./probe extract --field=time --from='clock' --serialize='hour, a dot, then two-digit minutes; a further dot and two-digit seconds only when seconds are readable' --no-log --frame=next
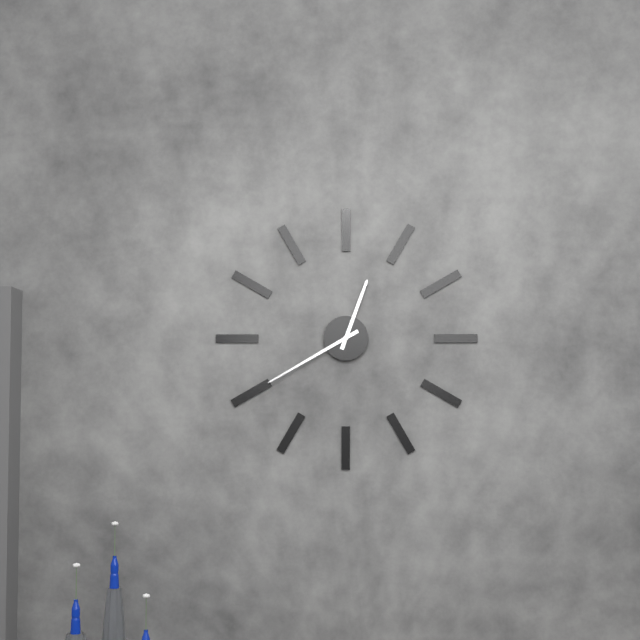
12.40
